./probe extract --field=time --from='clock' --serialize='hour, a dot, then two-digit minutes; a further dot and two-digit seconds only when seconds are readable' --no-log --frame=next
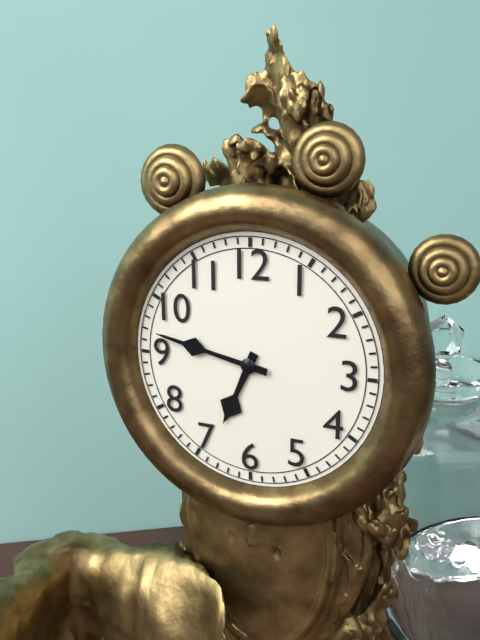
6.47
